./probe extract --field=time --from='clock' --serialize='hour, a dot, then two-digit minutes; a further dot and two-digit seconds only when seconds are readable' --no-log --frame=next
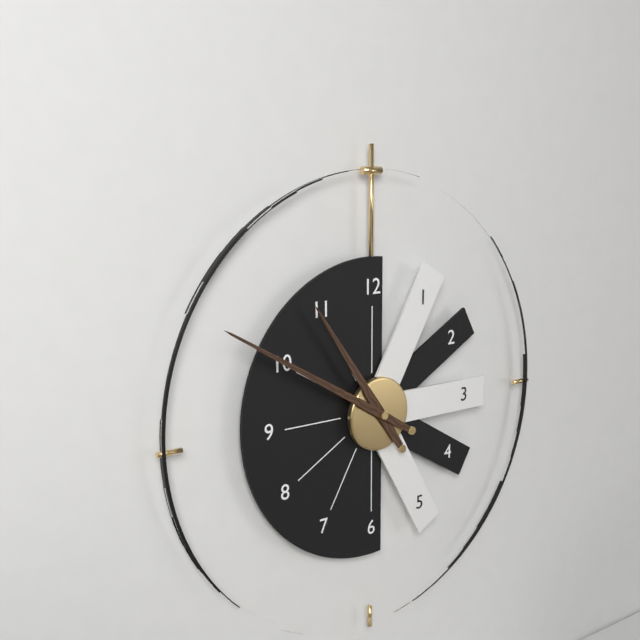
10.50
